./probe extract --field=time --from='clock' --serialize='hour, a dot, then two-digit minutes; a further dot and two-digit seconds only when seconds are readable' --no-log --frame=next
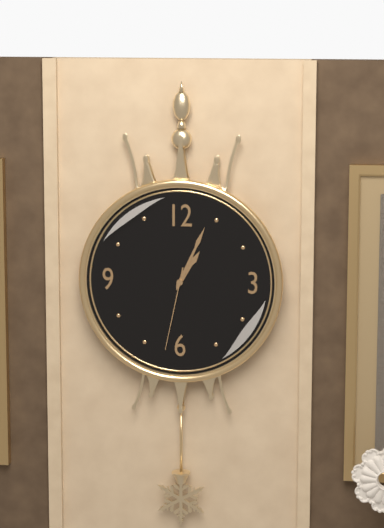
1.04.32
